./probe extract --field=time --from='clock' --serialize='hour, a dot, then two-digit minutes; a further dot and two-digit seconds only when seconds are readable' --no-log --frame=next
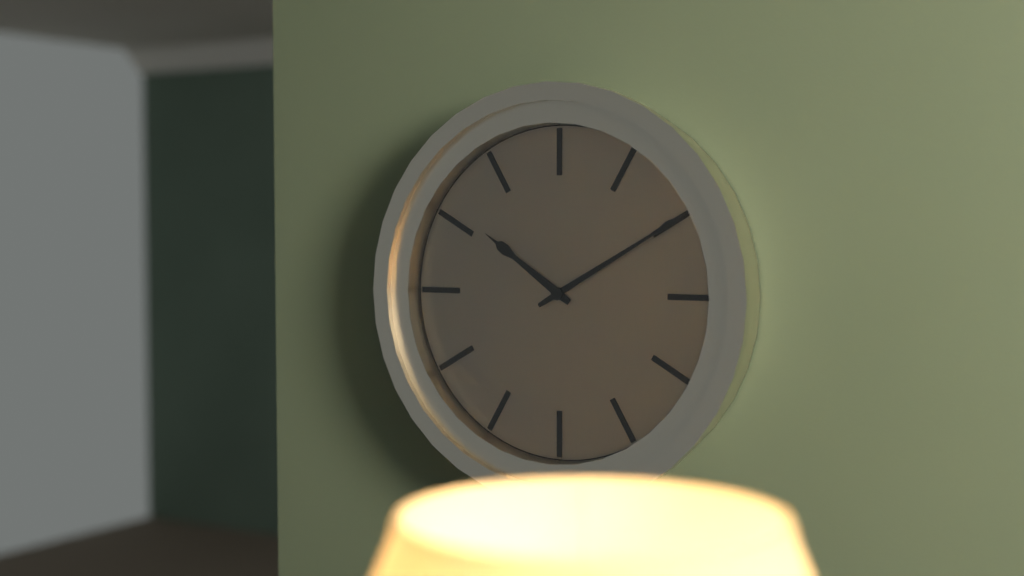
10.10
